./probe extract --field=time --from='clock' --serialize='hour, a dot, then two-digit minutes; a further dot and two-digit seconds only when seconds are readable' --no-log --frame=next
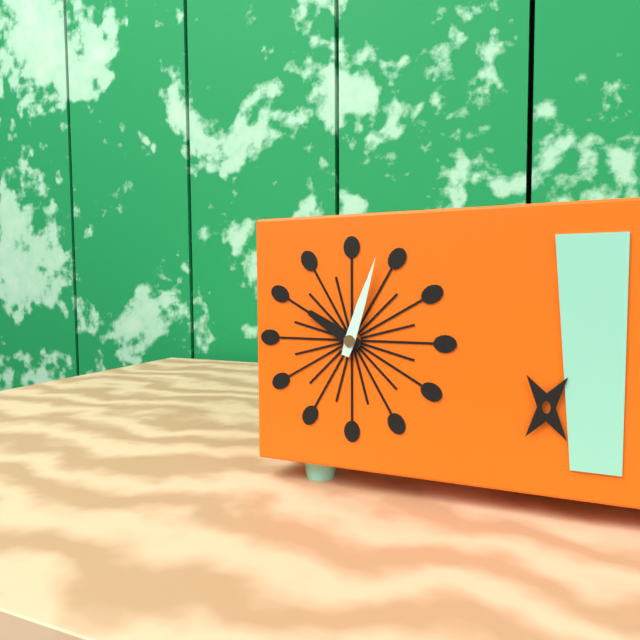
10.03
